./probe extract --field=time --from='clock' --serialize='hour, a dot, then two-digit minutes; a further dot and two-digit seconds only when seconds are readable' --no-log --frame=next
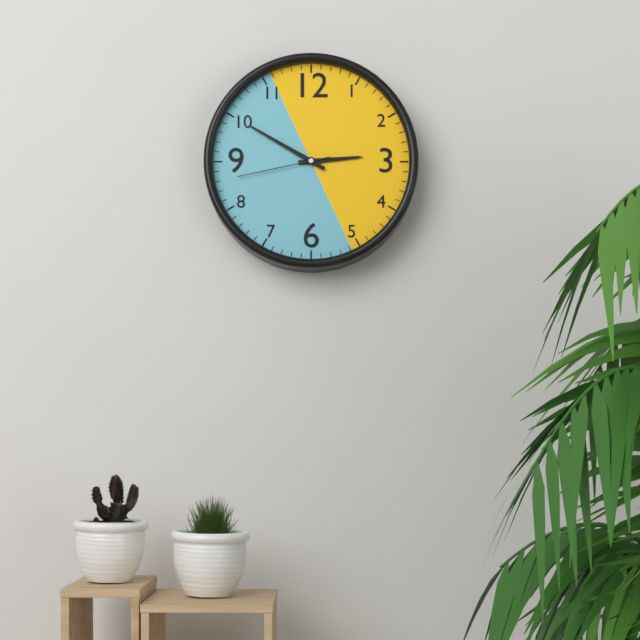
2.50.43
